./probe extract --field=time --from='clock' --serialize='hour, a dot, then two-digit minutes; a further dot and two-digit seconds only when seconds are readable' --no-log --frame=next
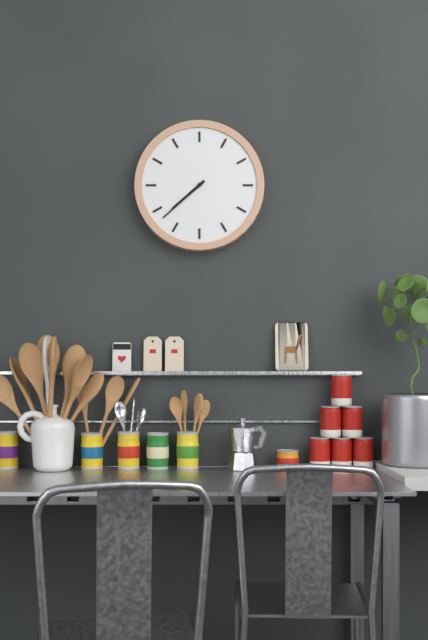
7.38
